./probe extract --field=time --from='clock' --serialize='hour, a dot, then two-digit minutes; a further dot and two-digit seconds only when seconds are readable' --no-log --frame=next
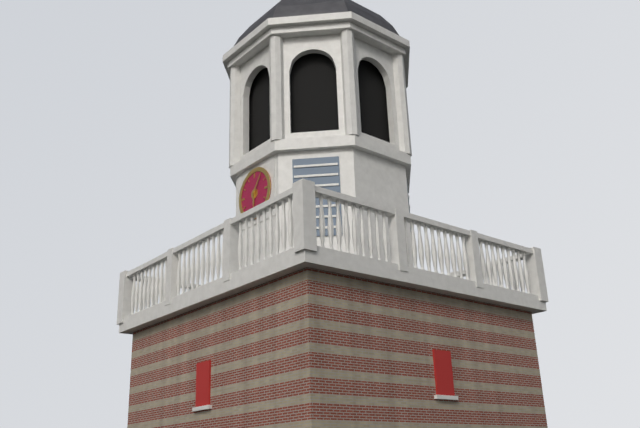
6.06
